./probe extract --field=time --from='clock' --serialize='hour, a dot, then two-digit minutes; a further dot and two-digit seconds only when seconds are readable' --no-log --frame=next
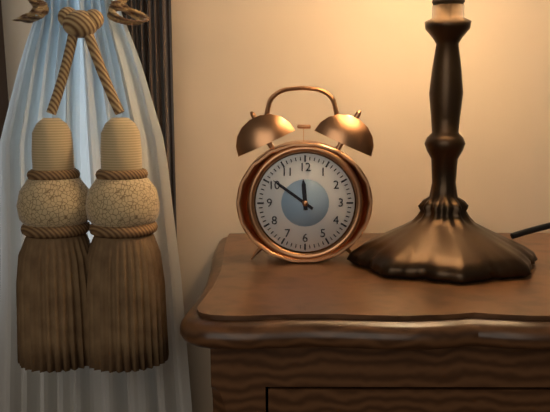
11.51
